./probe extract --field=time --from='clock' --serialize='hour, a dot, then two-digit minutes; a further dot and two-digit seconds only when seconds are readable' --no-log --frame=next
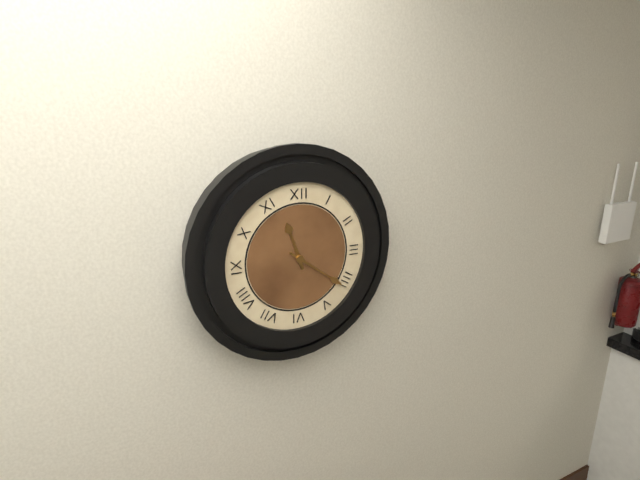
11.21
